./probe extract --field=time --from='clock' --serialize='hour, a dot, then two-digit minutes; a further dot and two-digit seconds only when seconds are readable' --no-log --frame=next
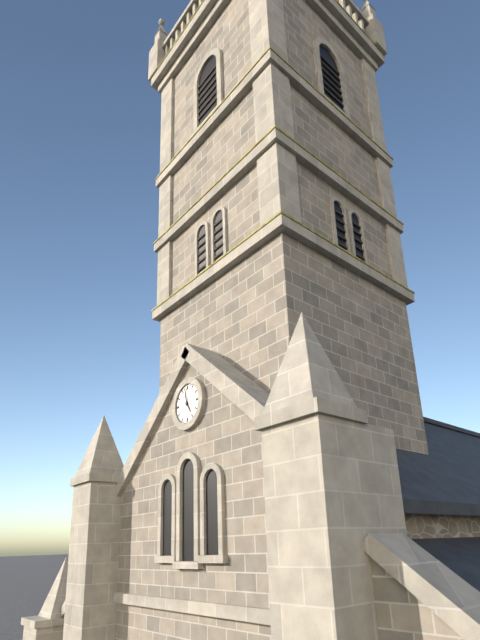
4.58
